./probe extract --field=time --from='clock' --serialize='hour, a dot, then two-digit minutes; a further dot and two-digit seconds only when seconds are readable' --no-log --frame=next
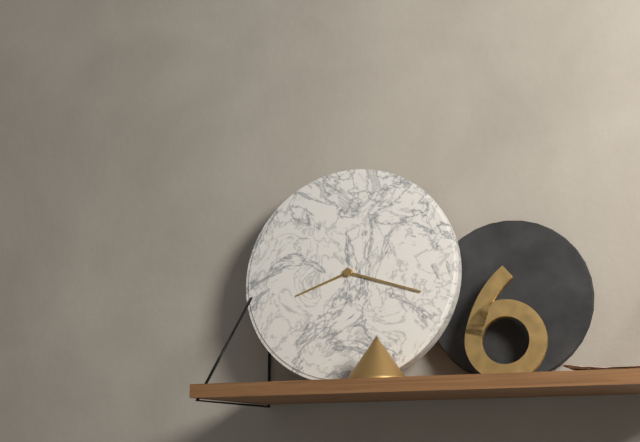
8.18
